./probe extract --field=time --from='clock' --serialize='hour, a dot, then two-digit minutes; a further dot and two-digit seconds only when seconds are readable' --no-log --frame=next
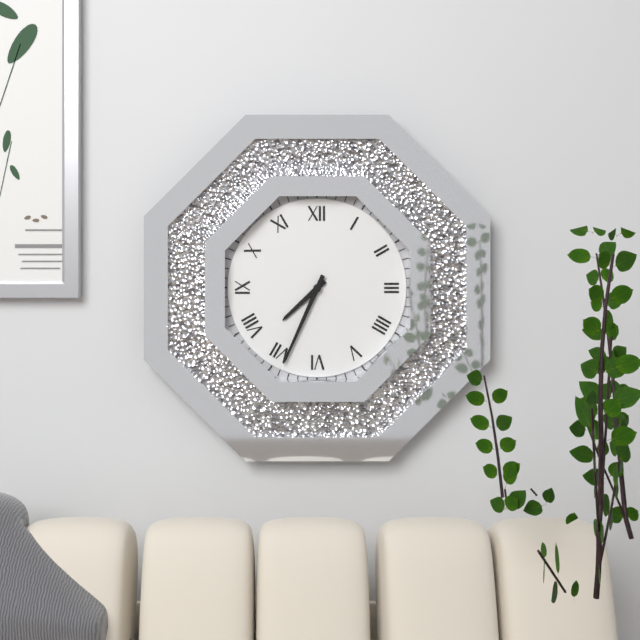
7.34
